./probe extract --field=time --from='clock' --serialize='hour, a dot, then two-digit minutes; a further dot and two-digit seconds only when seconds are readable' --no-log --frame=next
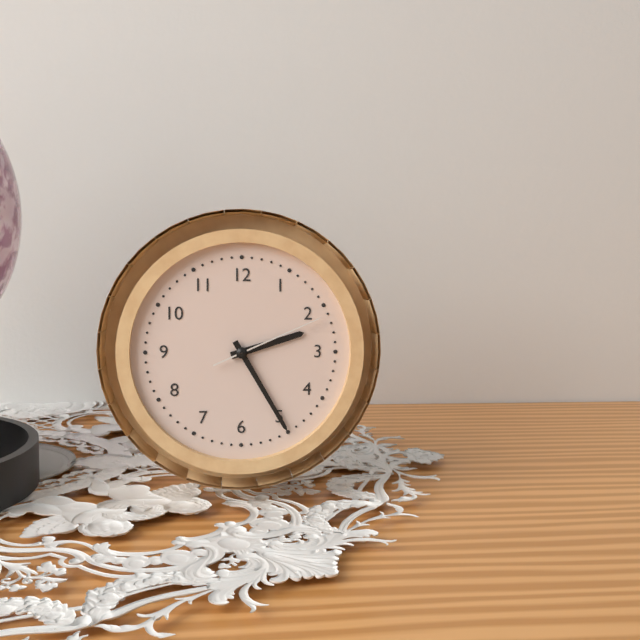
2.25.11
